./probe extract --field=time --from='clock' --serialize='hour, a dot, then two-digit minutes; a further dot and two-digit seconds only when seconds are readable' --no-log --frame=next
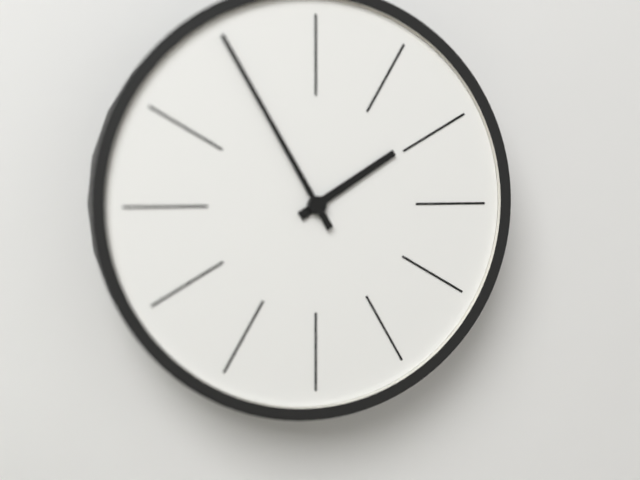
1.55
